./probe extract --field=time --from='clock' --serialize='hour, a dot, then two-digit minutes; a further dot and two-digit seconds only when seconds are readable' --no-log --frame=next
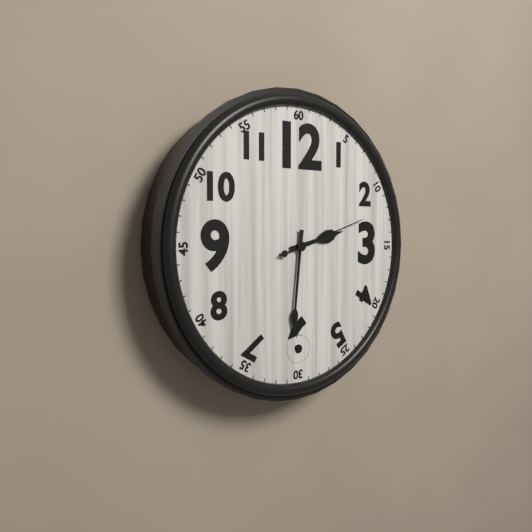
2.31.12
